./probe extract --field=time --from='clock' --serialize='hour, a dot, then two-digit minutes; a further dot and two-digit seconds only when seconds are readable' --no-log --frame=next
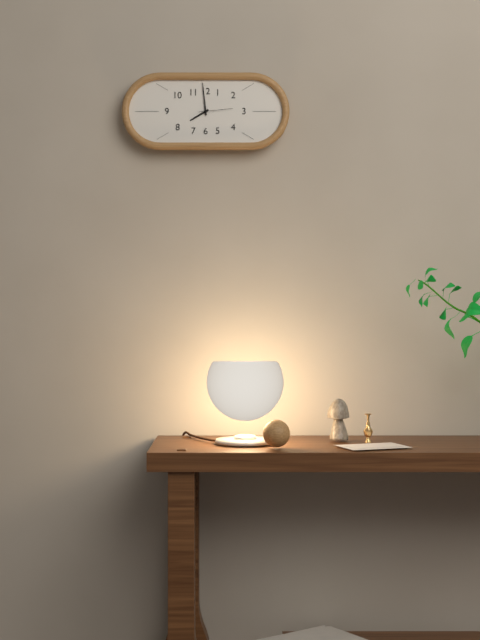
7.59
